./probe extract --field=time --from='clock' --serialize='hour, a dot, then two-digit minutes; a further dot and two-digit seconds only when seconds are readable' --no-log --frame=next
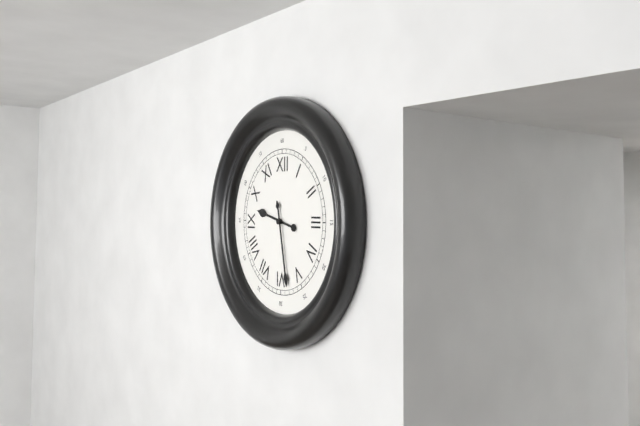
9.28
